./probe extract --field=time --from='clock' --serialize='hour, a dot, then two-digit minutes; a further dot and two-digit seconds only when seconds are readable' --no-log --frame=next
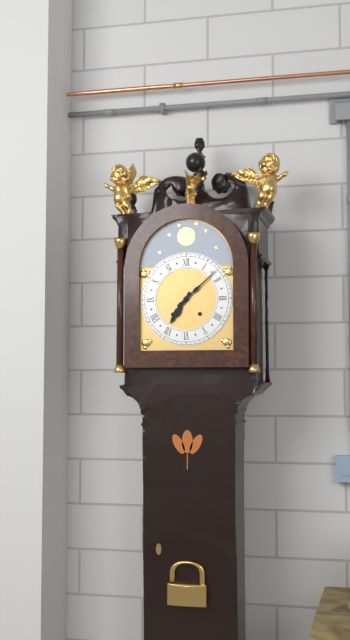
7.08
